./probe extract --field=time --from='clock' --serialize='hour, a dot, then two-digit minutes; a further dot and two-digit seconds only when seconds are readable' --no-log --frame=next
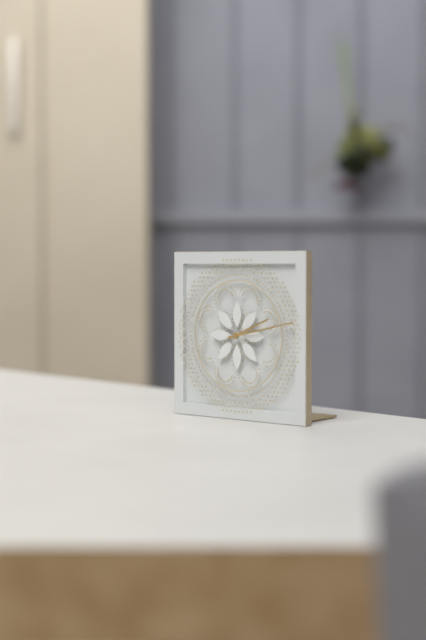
2.13
